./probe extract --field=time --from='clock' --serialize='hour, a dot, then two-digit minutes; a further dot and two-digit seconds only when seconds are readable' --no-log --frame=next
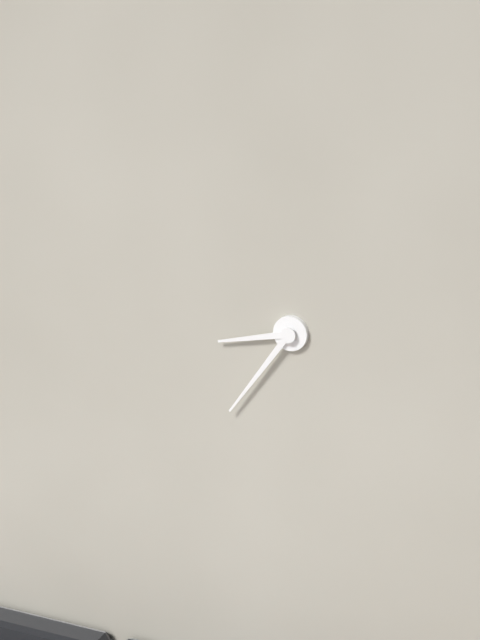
8.36
